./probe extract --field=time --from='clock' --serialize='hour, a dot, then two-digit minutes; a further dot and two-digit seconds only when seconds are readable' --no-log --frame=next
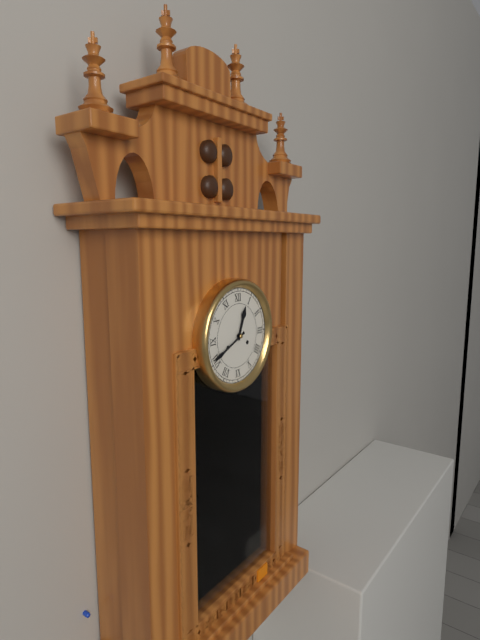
12.41
